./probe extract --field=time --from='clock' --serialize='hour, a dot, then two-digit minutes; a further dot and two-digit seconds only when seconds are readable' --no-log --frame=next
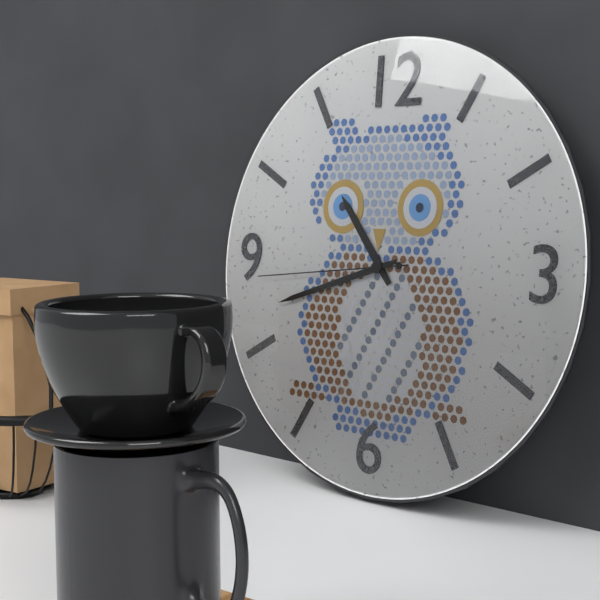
10.42.44
